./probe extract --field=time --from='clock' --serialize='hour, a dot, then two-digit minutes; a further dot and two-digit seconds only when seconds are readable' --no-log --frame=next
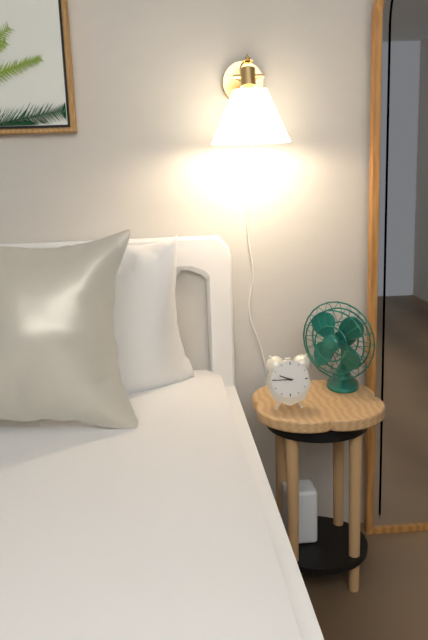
9.45
